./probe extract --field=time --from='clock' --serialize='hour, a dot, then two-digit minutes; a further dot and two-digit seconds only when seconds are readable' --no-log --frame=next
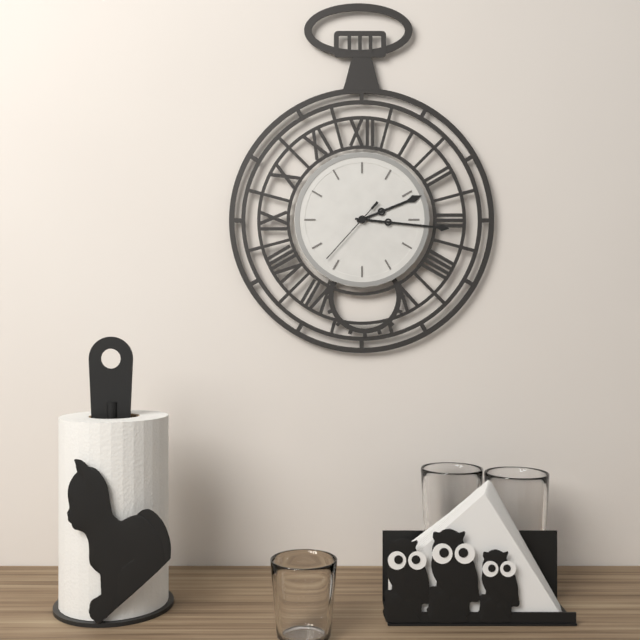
2.16.37
